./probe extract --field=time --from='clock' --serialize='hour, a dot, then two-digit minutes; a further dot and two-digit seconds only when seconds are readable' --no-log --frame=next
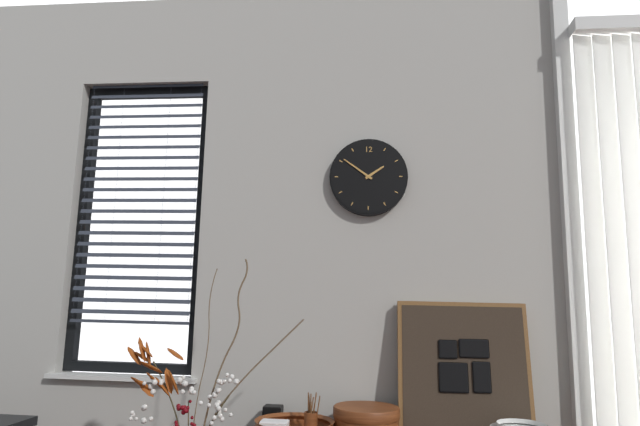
1.51
